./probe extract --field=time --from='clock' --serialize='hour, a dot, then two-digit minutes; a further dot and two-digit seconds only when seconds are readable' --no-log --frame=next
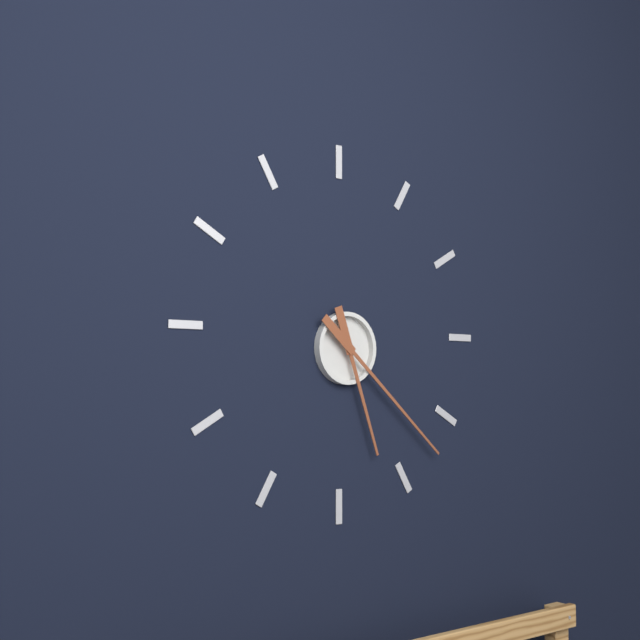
5.22
